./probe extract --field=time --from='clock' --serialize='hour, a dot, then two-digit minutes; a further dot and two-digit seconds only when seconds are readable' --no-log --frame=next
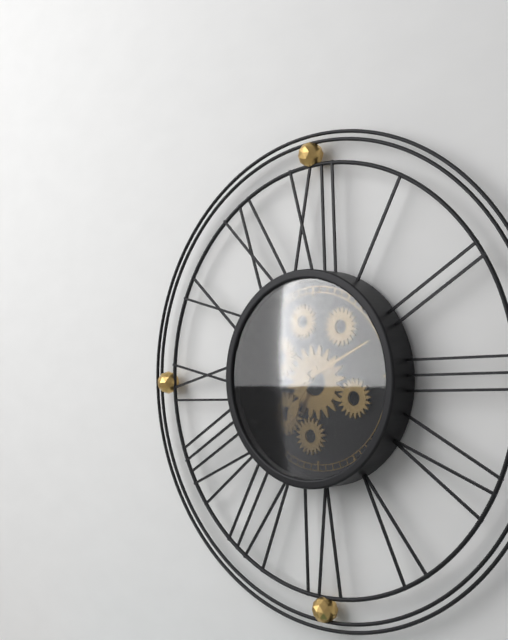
7.11
